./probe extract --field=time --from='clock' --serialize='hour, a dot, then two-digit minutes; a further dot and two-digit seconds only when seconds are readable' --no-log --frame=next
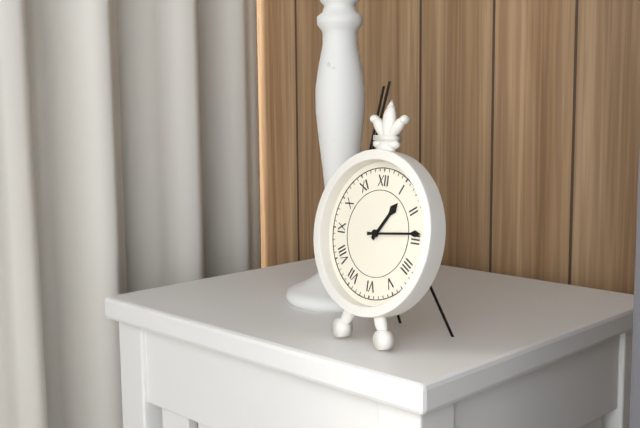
1.14
